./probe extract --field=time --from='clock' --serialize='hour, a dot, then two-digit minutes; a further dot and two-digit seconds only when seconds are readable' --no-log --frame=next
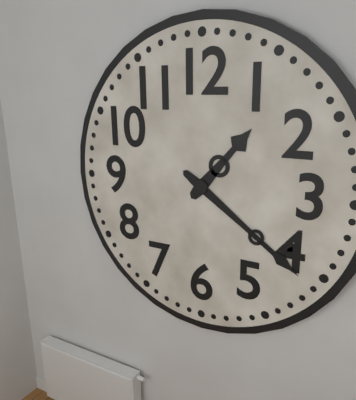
1.21
